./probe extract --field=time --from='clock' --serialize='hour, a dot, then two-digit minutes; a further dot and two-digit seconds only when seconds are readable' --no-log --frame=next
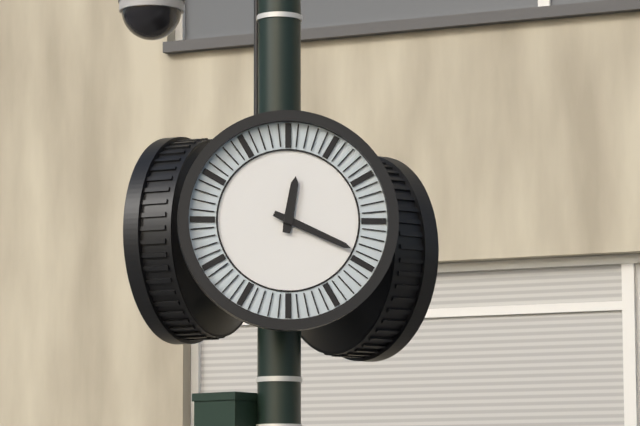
12.19
